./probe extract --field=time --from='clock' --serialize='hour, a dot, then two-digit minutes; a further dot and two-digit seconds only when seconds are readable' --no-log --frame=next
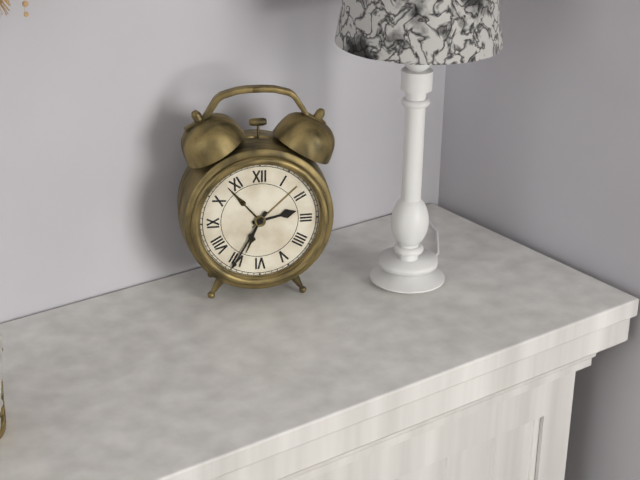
2.35
